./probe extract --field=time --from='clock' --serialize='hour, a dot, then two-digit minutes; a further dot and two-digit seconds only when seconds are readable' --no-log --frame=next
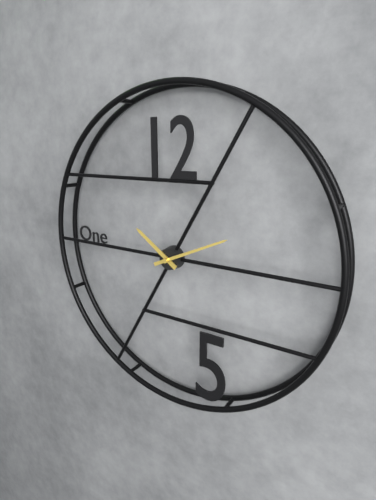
10.11
